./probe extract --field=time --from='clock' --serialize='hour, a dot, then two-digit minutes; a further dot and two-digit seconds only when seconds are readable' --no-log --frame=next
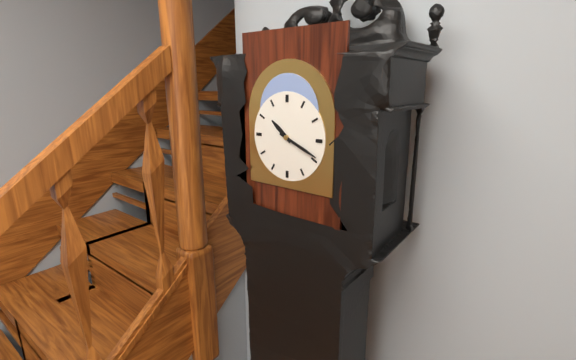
10.19
